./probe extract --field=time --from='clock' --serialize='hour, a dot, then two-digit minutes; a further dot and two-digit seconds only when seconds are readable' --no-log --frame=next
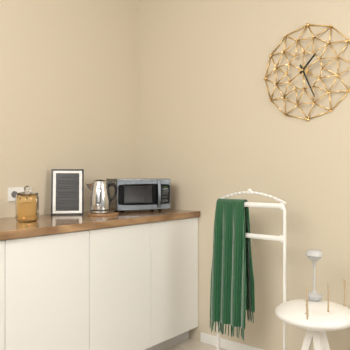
1.26
